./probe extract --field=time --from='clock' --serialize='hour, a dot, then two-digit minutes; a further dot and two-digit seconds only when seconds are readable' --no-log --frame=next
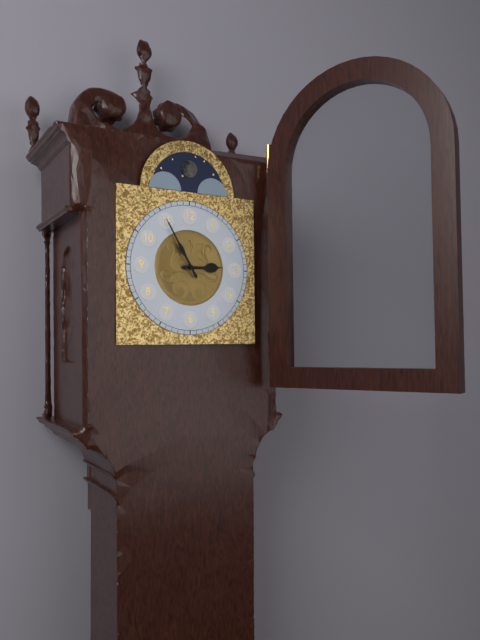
2.55
